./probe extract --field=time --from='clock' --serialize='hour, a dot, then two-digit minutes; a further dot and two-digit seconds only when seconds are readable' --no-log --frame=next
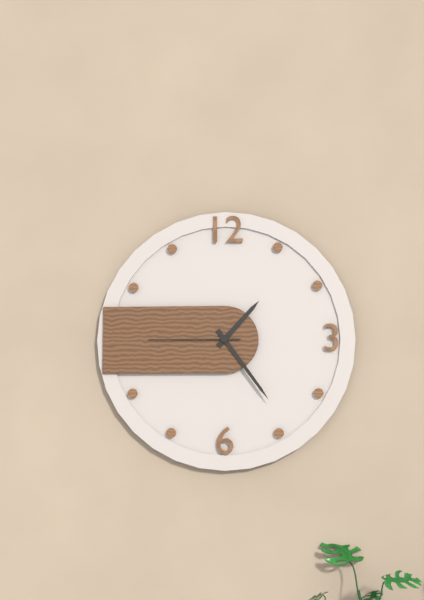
1.24.45
